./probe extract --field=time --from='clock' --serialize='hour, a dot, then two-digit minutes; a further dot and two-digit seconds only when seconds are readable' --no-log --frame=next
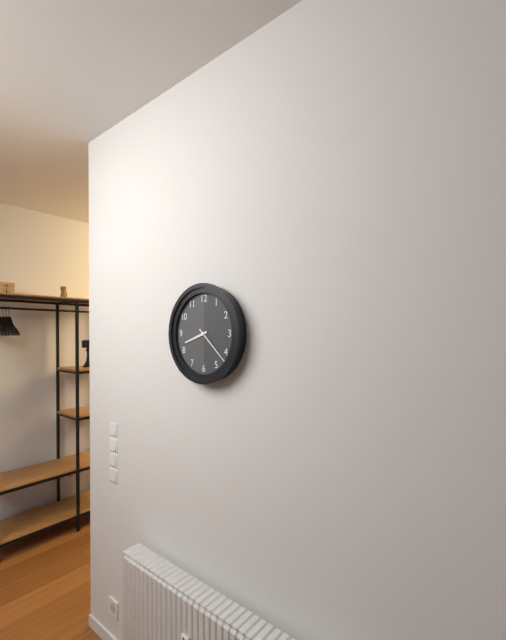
8.22
